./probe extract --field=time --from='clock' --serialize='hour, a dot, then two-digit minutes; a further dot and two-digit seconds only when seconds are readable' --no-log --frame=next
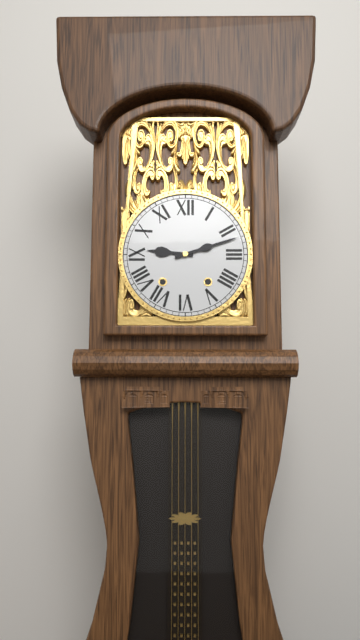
9.12
